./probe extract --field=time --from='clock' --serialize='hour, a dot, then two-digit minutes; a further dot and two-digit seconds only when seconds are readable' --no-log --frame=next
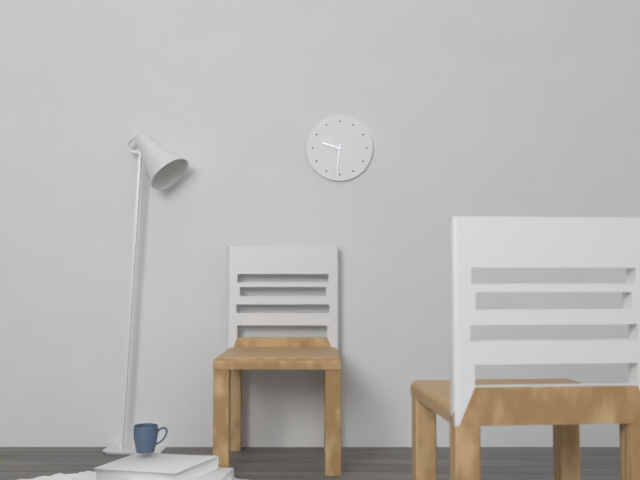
9.31
